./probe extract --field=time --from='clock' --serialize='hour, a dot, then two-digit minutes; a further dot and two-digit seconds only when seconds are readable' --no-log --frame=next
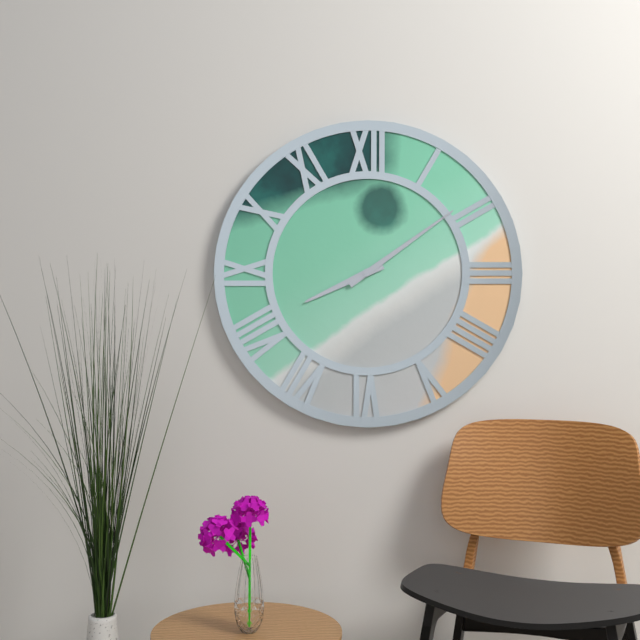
8.09
